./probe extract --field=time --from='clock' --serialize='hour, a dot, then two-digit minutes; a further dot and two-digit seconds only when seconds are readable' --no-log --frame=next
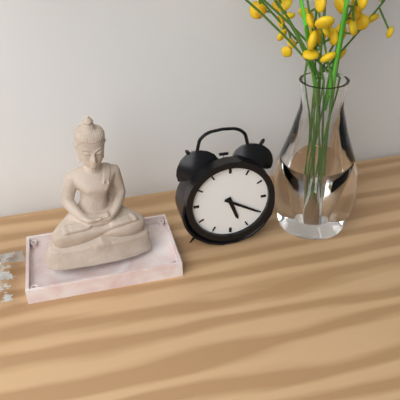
5.20
